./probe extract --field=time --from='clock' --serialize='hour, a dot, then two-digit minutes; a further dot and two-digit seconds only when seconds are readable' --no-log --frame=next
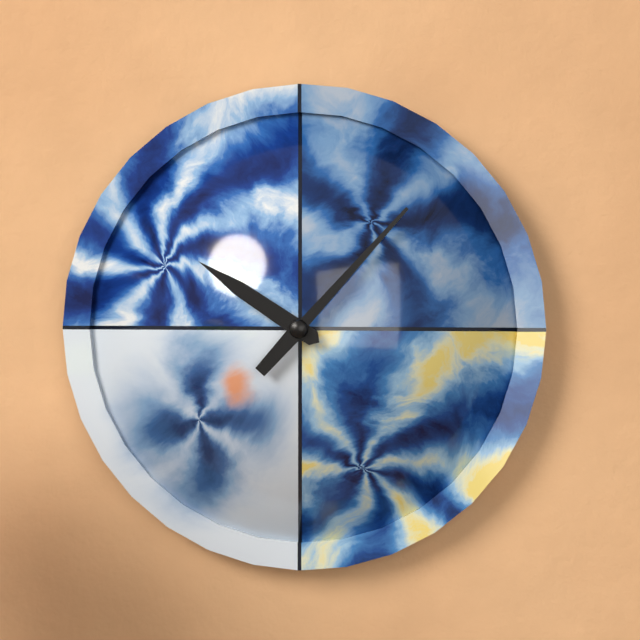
10.07
